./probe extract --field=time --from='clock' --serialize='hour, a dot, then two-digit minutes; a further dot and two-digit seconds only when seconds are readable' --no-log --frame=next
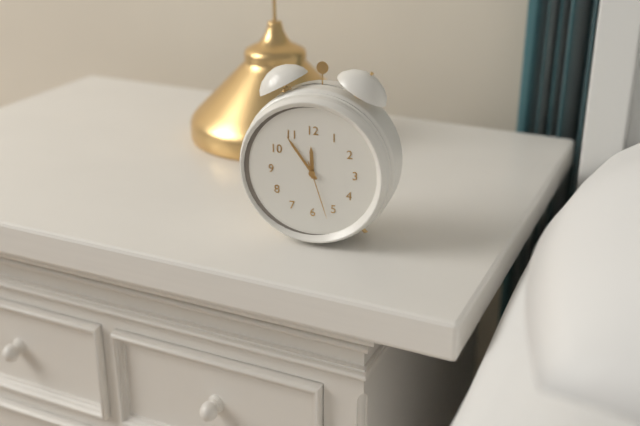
11.54.27
